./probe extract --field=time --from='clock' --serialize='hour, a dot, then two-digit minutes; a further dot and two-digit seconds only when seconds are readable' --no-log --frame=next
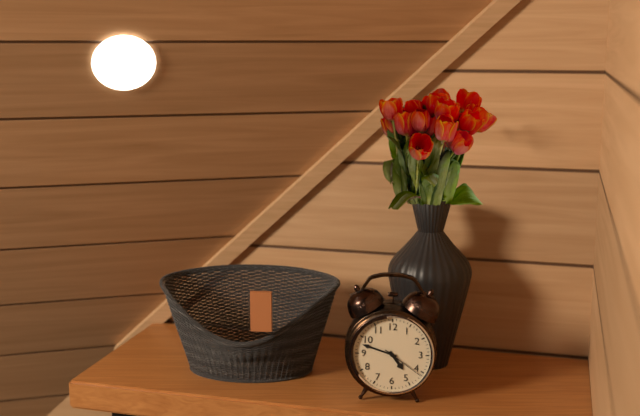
4.48
